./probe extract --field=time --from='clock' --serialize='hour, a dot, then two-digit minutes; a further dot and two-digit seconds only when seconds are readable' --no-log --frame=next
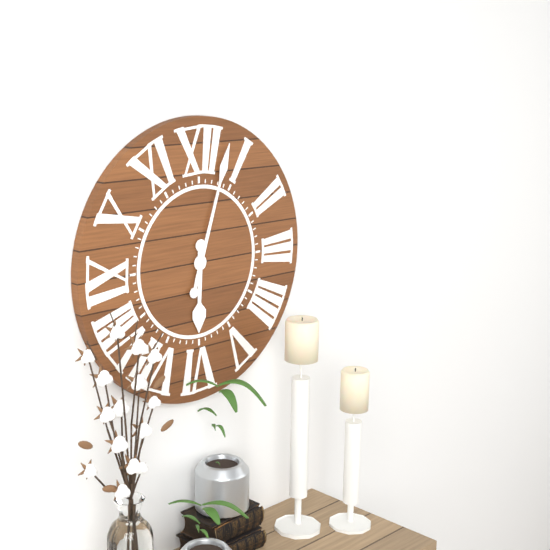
6.03
